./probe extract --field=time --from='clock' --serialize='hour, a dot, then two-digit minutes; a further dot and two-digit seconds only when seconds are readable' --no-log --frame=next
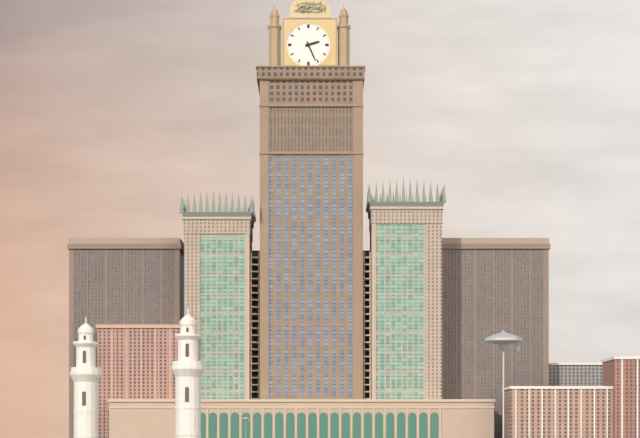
2.26
